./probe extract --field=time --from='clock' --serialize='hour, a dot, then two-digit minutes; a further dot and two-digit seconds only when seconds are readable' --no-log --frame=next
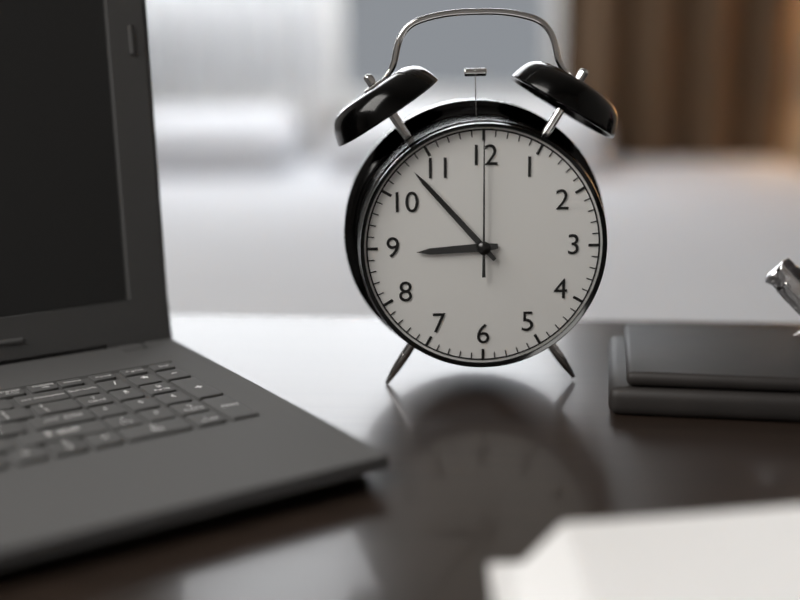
8.53.00
